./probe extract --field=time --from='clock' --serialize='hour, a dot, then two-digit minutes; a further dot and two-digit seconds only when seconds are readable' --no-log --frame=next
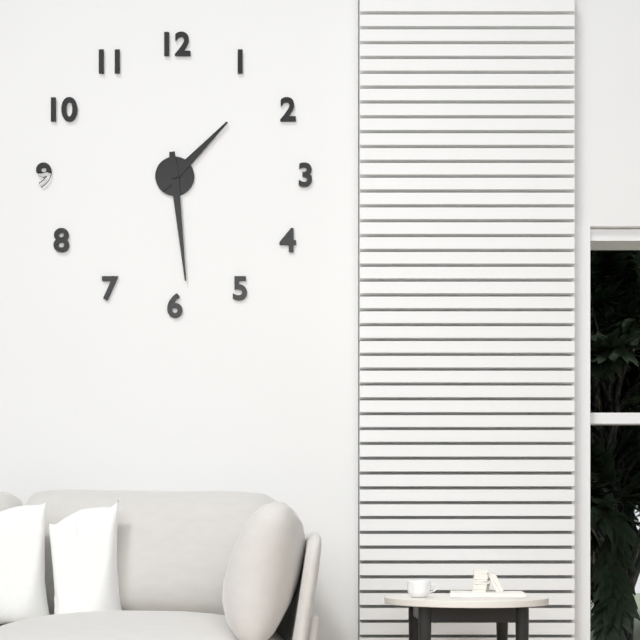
1.29
